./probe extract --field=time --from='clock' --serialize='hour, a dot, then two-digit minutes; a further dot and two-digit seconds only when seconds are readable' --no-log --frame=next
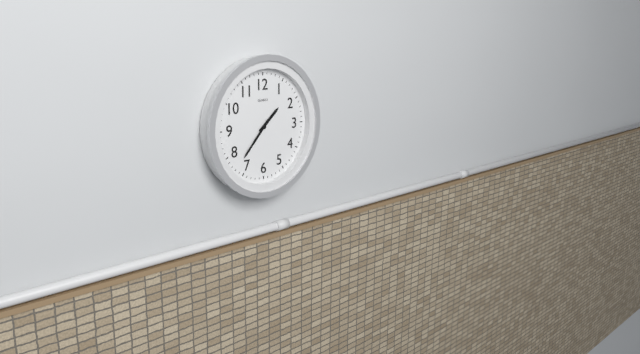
1.37
